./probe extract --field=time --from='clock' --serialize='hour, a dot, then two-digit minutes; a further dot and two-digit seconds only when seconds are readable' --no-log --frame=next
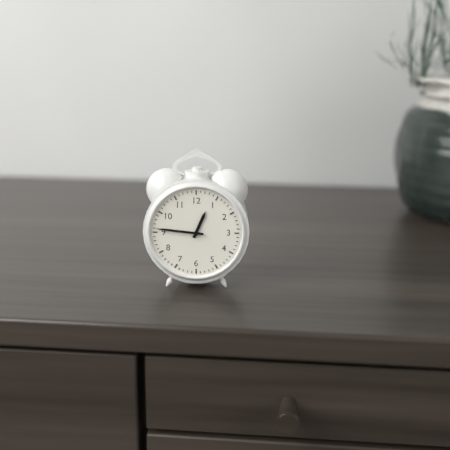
12.46
